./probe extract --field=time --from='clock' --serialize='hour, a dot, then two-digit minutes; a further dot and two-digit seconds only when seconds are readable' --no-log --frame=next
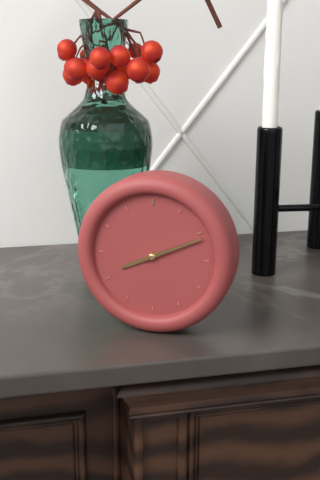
8.11
